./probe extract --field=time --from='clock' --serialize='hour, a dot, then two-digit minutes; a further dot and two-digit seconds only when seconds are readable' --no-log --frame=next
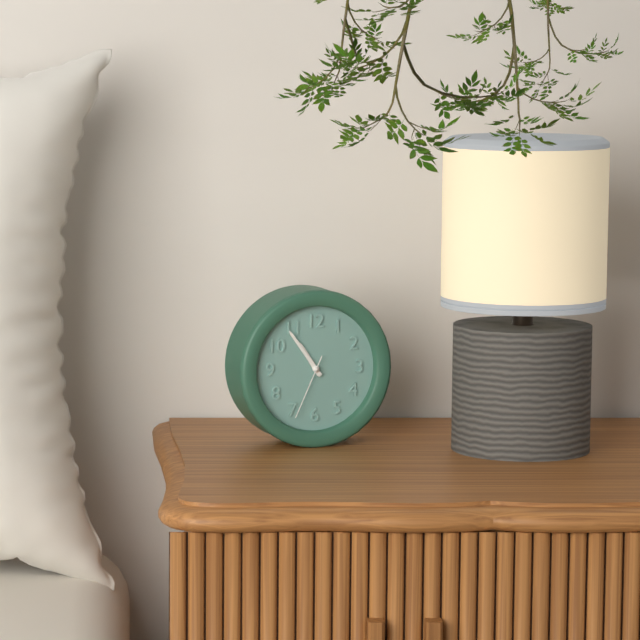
10.54.34
